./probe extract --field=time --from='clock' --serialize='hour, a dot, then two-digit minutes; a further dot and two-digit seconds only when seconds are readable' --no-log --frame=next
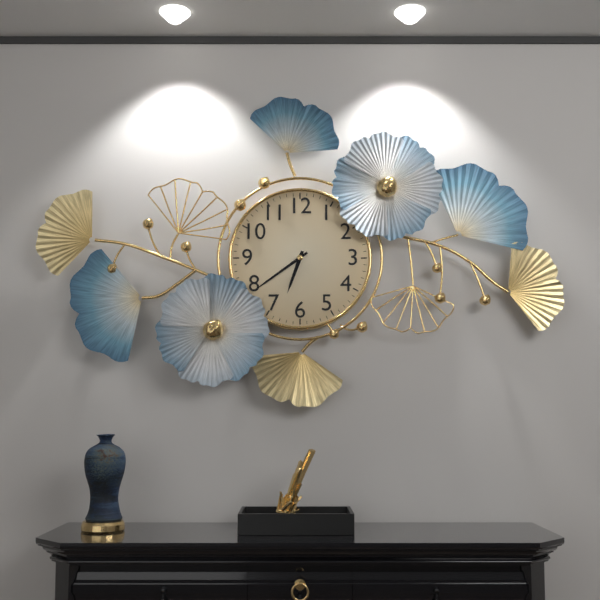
6.39
